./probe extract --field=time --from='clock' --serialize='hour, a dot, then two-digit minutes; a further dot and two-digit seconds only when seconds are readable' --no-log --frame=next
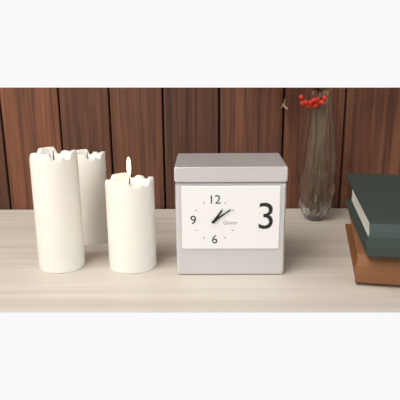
1.09
